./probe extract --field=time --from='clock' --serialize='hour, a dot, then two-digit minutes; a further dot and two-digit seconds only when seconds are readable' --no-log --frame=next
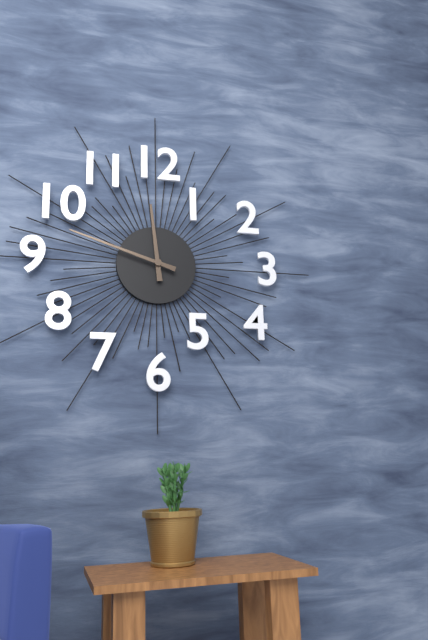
11.48
